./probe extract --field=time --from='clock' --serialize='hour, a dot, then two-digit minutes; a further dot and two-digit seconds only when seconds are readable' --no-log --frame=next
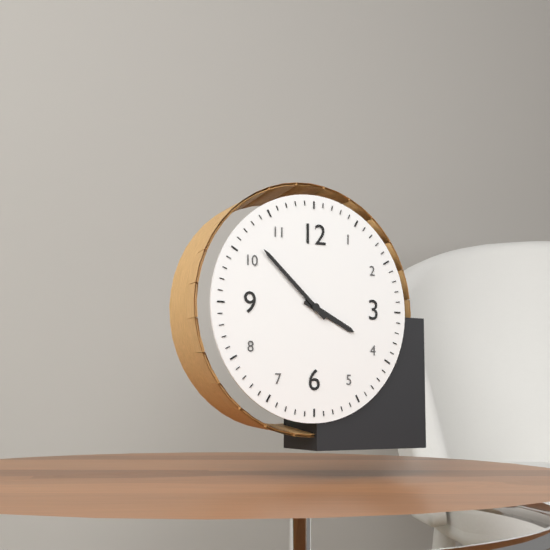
3.52
